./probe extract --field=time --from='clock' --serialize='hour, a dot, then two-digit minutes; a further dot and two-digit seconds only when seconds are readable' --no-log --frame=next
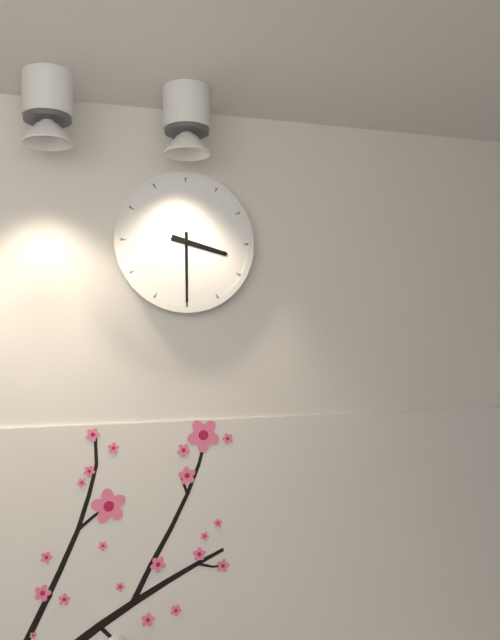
3.30
